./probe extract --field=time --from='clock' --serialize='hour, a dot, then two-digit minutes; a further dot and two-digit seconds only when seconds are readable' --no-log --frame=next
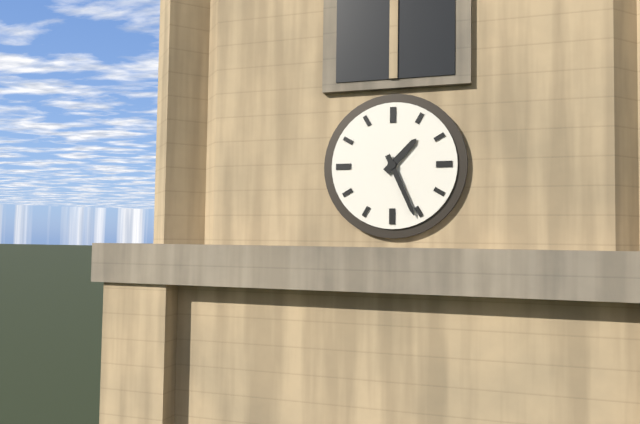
1.26
